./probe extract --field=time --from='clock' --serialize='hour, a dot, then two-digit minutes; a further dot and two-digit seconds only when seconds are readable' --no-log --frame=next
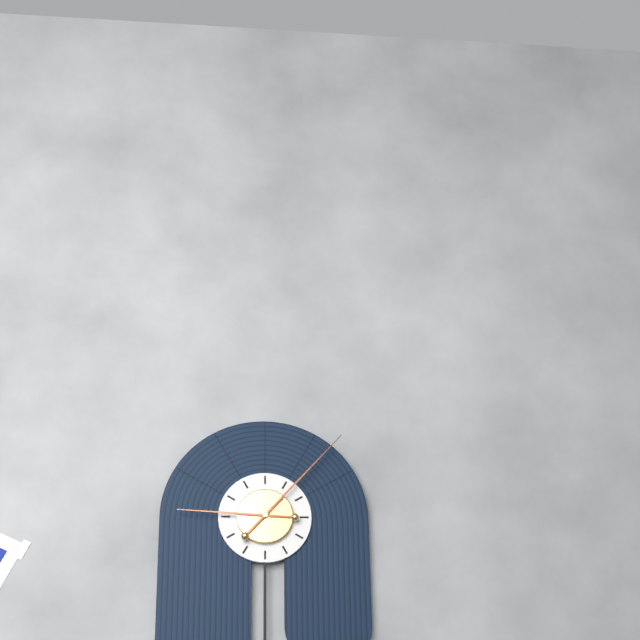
9.07
